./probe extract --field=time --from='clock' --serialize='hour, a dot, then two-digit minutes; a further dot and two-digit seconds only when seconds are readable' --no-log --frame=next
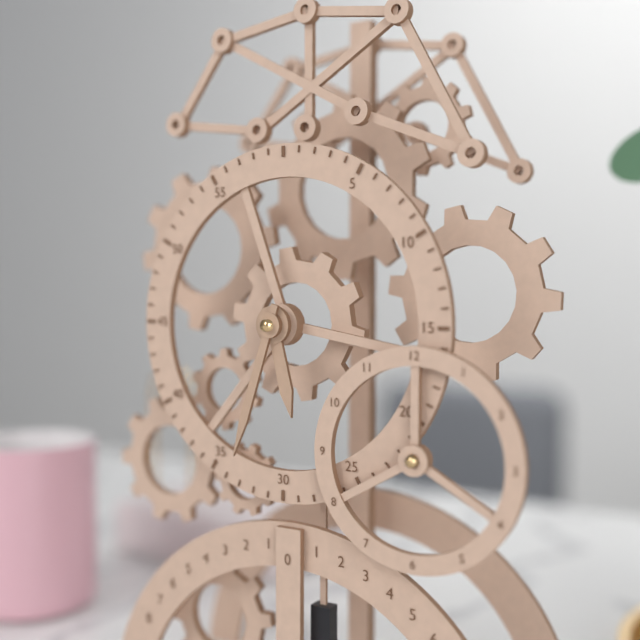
5.33
